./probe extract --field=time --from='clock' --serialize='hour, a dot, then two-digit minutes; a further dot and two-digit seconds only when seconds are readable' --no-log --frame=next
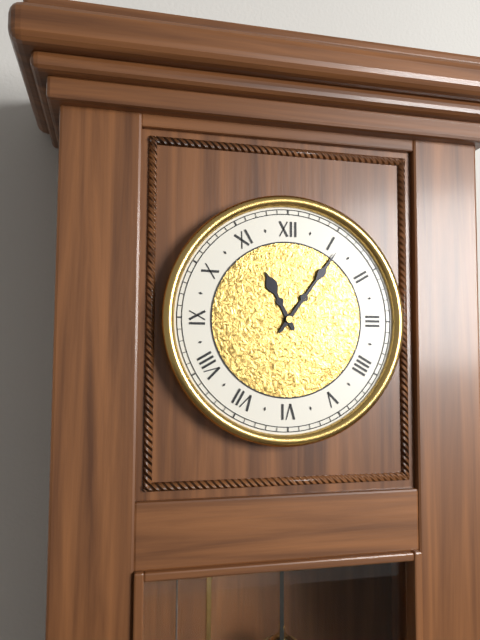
11.06
